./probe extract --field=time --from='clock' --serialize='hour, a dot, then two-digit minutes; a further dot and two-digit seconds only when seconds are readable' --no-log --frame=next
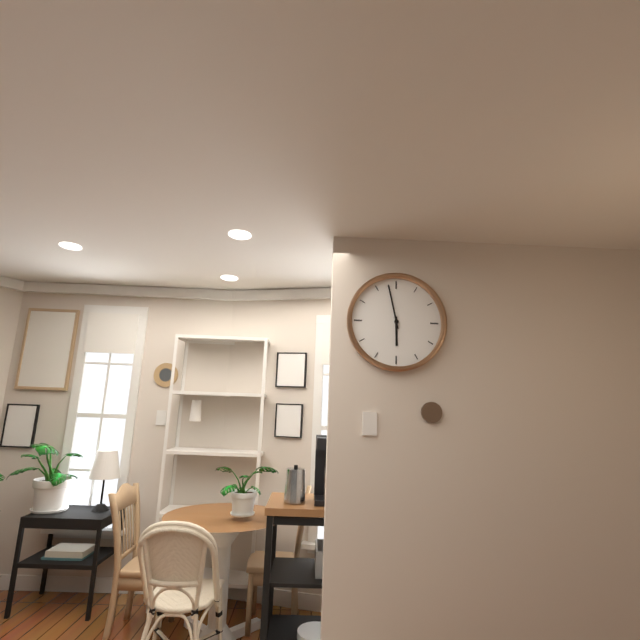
5.58
